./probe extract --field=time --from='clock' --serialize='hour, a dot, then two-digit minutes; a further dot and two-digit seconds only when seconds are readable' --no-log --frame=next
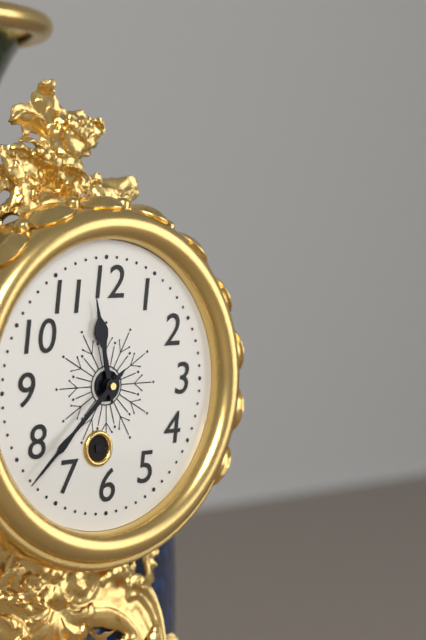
11.38
